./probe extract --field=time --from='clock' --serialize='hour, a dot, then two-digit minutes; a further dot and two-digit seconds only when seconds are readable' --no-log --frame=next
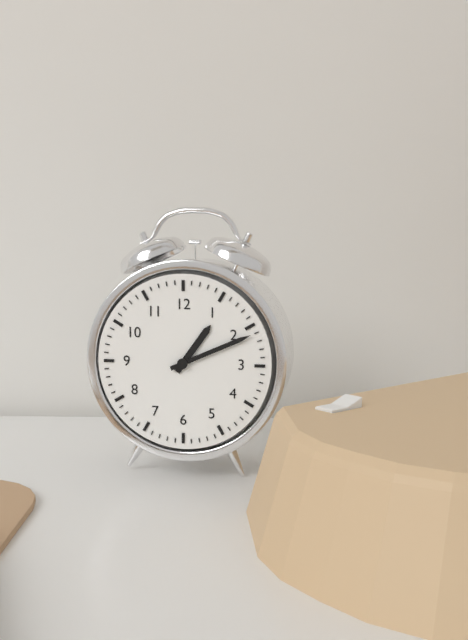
1.11
